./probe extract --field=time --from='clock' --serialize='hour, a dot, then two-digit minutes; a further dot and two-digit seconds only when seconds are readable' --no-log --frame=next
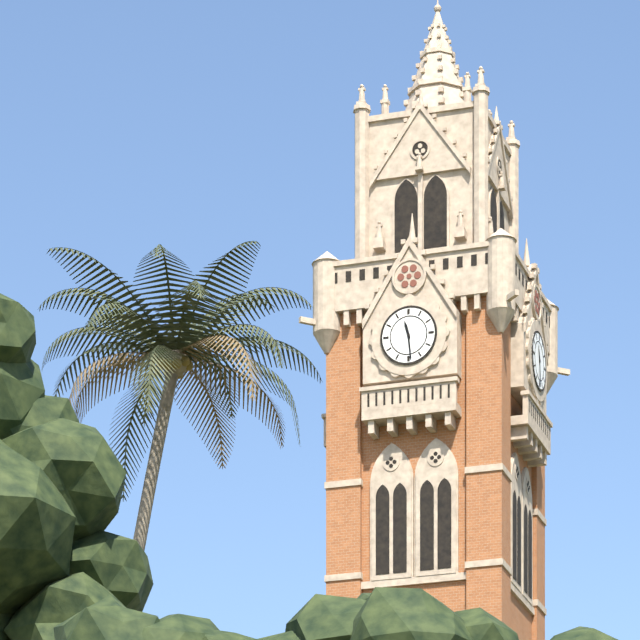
11.29
